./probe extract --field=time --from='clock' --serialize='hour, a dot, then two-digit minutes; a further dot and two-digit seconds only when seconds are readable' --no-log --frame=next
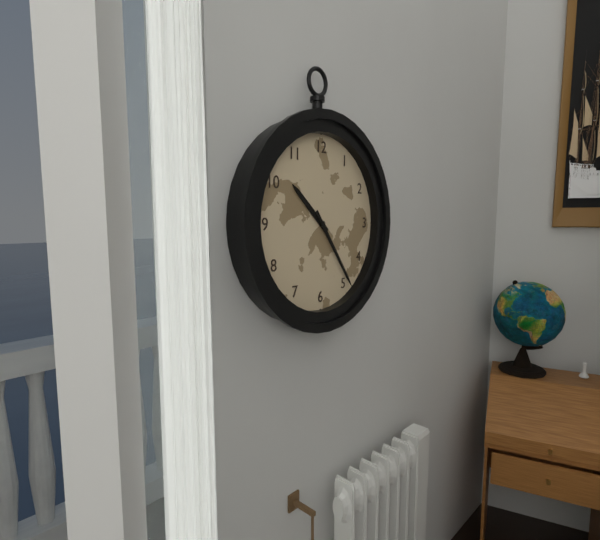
10.24
